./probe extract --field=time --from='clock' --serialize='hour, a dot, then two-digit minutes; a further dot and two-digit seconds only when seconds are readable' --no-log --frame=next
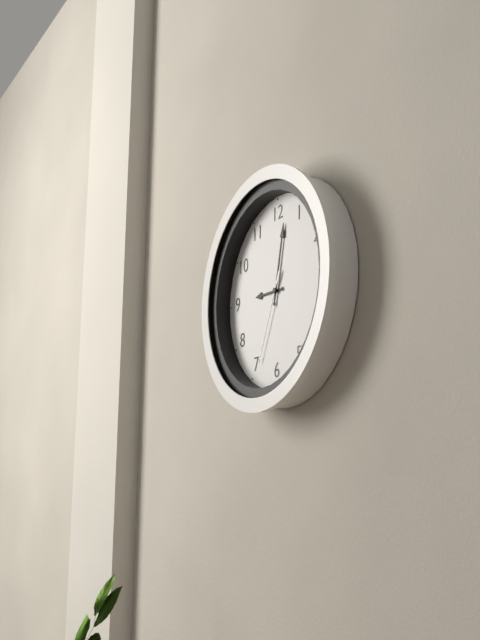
9.02.34
